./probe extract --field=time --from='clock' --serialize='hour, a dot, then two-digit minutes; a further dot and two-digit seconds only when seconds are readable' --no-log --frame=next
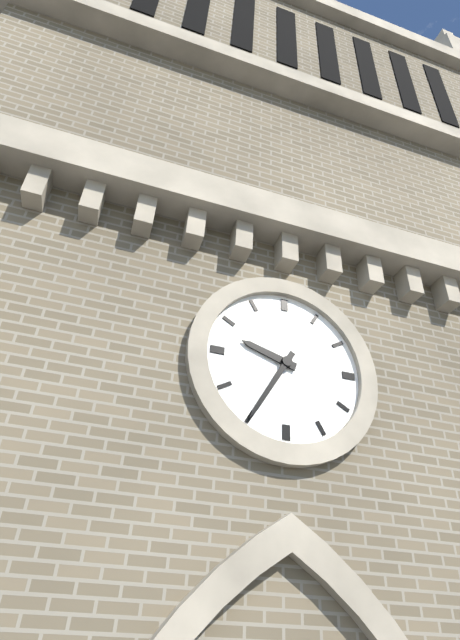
9.35
